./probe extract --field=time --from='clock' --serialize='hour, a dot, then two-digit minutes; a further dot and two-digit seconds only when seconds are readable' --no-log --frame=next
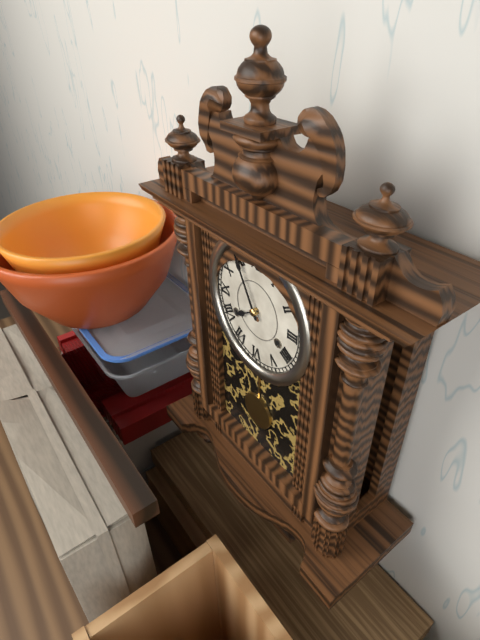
7.55
